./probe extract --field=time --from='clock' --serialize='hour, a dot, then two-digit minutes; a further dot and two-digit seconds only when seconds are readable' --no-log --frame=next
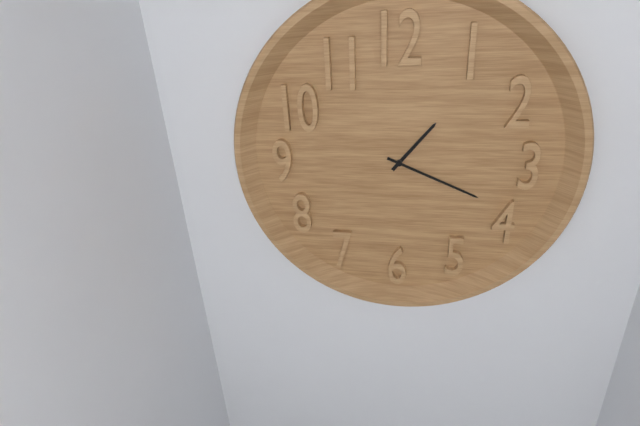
1.19
